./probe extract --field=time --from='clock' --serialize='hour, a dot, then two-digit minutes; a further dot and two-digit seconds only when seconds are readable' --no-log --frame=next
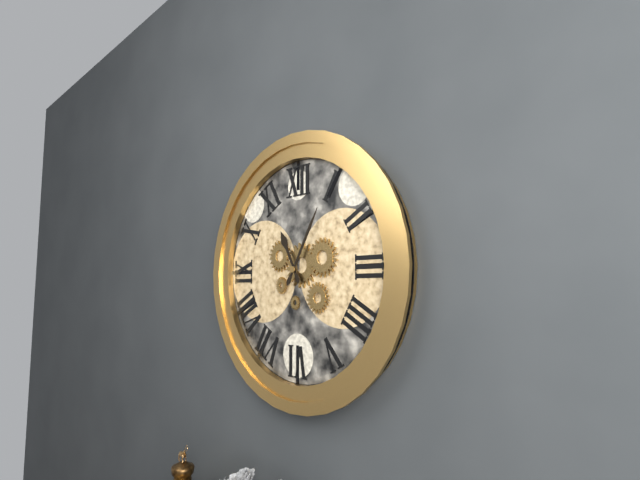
11.05
